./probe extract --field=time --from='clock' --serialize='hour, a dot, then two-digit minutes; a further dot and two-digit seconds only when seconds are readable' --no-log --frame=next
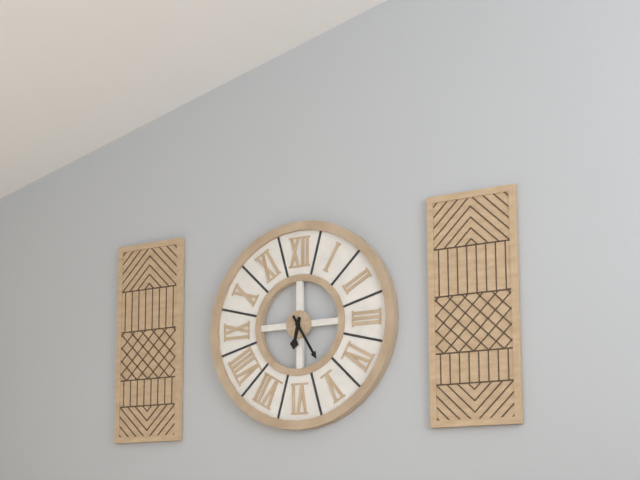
6.25
